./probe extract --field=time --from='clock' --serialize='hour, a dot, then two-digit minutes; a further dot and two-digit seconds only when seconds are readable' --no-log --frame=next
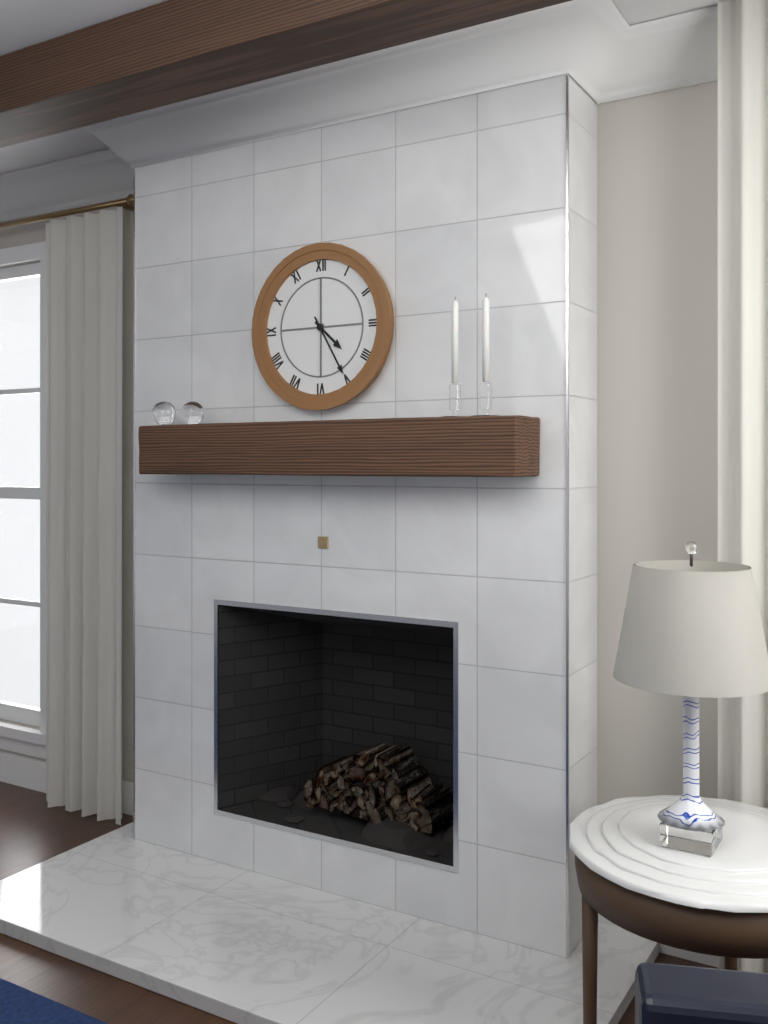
4.25
